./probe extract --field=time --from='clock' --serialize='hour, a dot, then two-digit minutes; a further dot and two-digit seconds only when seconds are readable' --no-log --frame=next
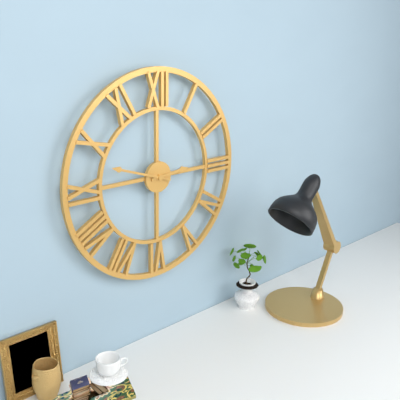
2.48
